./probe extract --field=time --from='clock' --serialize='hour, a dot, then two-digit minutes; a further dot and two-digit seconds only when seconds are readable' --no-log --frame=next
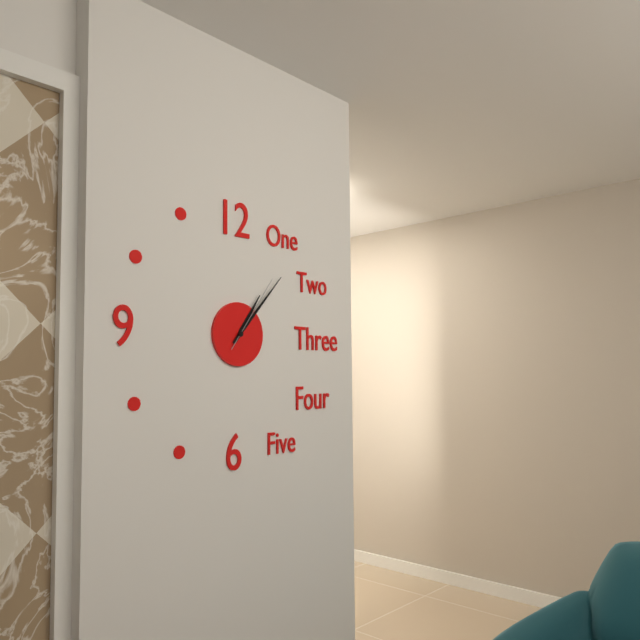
1.07.06
